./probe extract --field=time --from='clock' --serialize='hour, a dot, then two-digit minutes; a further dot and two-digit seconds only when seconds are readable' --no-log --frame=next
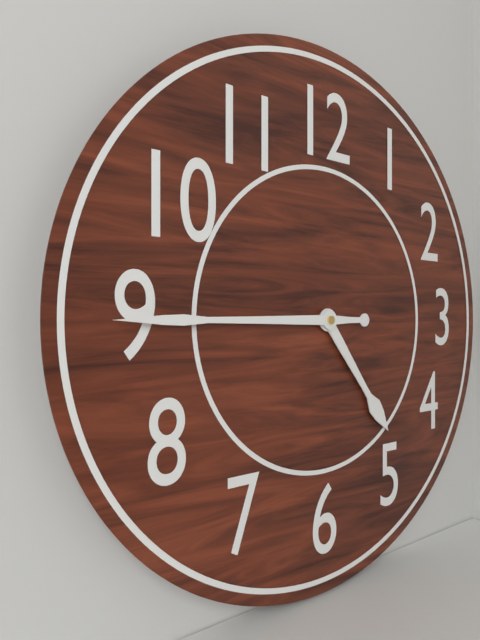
4.45
